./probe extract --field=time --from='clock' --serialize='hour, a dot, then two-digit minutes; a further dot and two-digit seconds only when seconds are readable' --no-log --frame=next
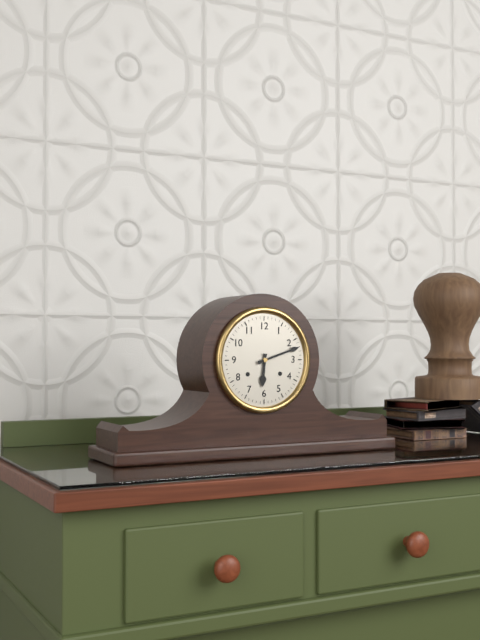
6.12
